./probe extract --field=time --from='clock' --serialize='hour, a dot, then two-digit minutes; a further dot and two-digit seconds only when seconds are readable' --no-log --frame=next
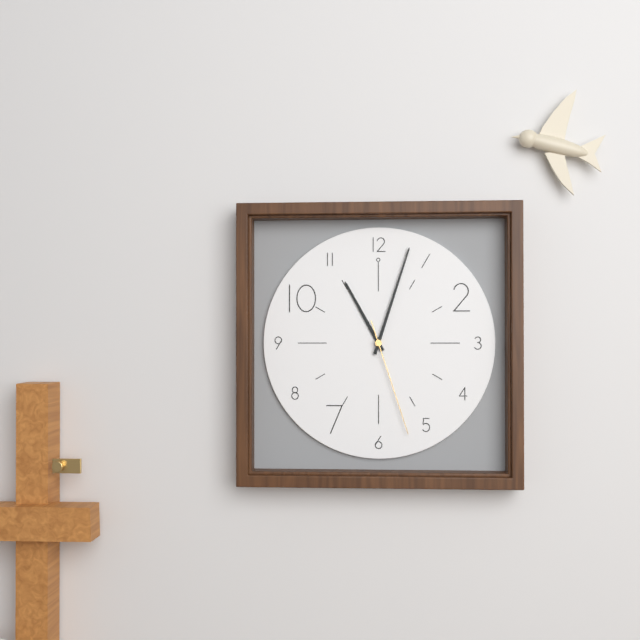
11.03.27
